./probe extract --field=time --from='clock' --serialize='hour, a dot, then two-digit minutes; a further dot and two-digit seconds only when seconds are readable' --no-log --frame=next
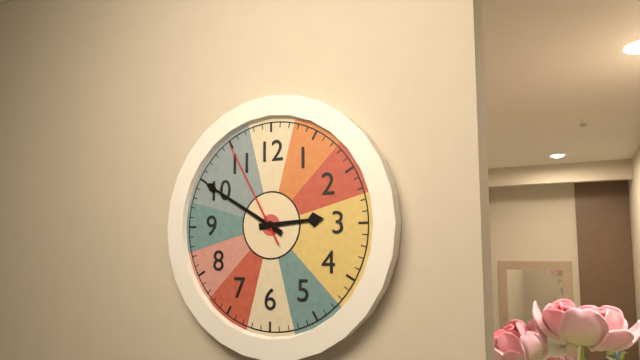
2.50.55
